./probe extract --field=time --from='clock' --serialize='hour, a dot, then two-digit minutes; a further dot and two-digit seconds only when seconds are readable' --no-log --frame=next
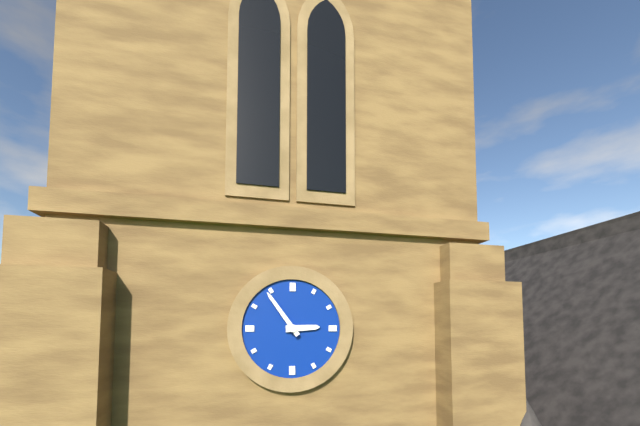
2.54
